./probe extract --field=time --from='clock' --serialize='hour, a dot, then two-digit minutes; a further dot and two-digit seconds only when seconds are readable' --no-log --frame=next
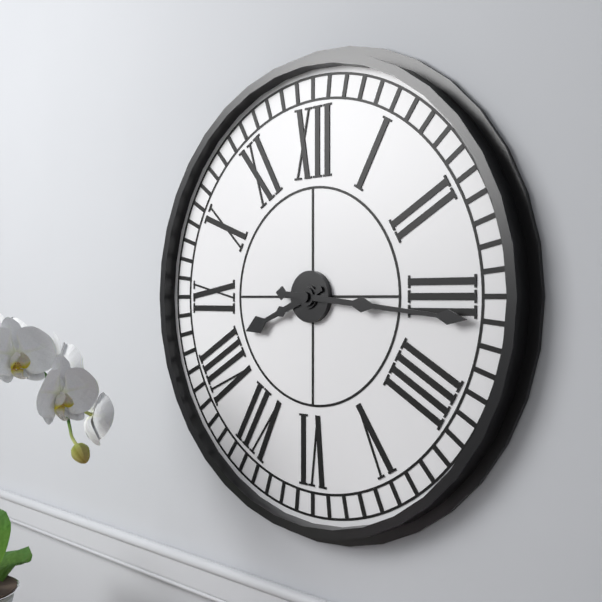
8.16
